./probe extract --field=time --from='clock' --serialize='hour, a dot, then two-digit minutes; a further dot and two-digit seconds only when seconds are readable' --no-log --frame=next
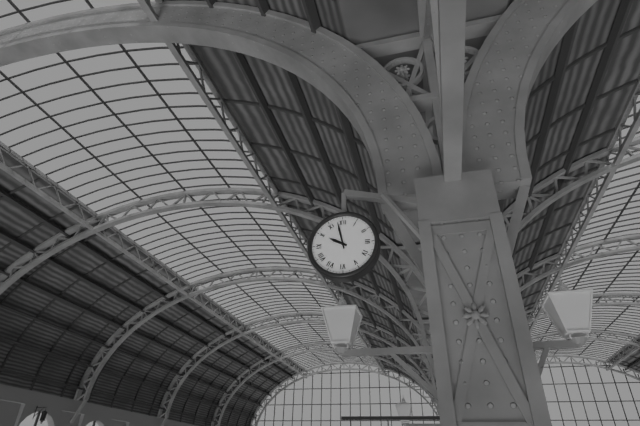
9.58
